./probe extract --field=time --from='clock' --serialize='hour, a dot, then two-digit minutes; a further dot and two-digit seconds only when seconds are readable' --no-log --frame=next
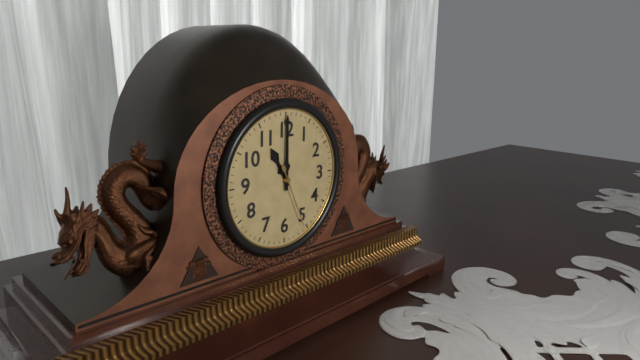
11.00.26
